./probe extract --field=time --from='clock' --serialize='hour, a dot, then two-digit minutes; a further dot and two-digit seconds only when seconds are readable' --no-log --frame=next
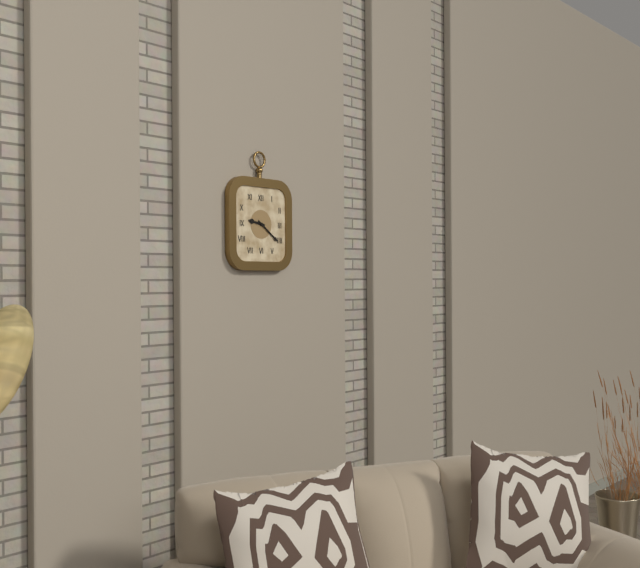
9.21
